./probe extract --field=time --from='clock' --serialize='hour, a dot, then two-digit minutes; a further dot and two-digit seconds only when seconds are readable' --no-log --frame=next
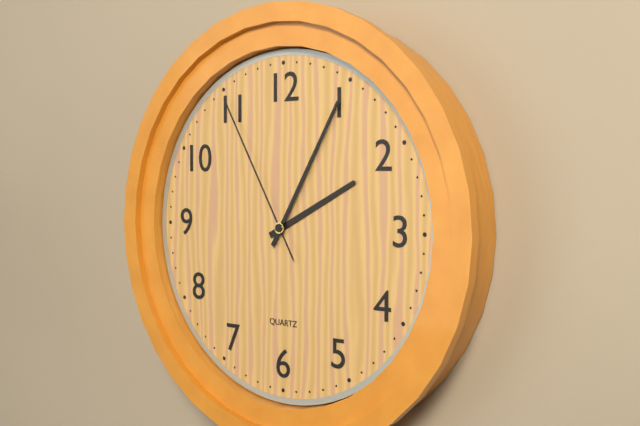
2.05.55
